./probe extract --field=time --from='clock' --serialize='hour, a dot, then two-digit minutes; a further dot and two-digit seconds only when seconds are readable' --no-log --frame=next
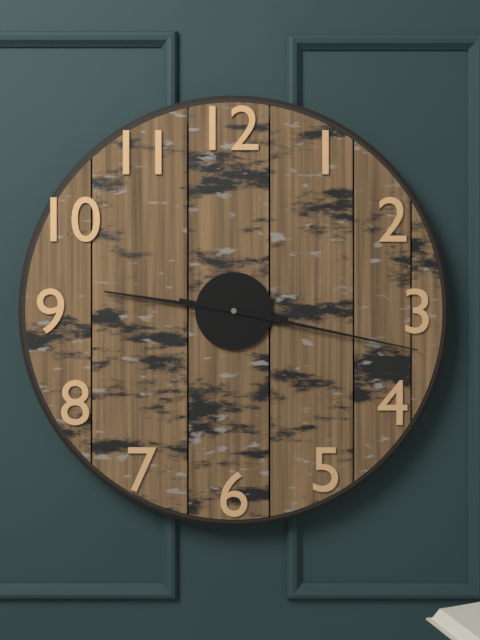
9.17
